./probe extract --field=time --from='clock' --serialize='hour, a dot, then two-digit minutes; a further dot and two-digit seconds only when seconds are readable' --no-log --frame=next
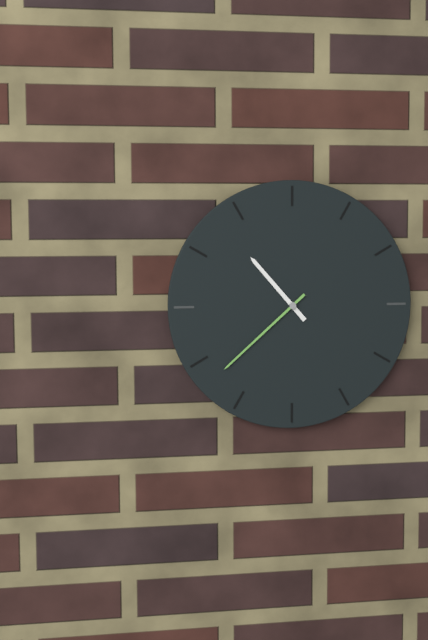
10.38
